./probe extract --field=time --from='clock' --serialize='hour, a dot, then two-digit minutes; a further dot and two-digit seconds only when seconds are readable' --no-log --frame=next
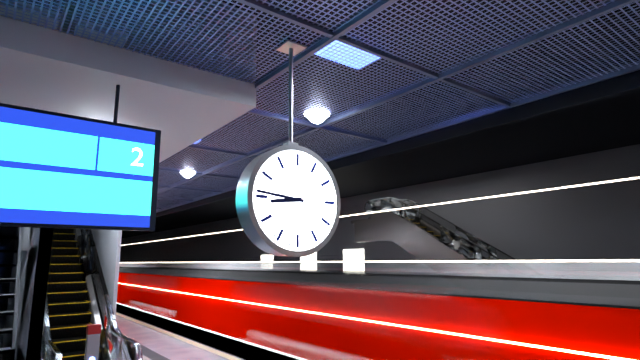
8.46
